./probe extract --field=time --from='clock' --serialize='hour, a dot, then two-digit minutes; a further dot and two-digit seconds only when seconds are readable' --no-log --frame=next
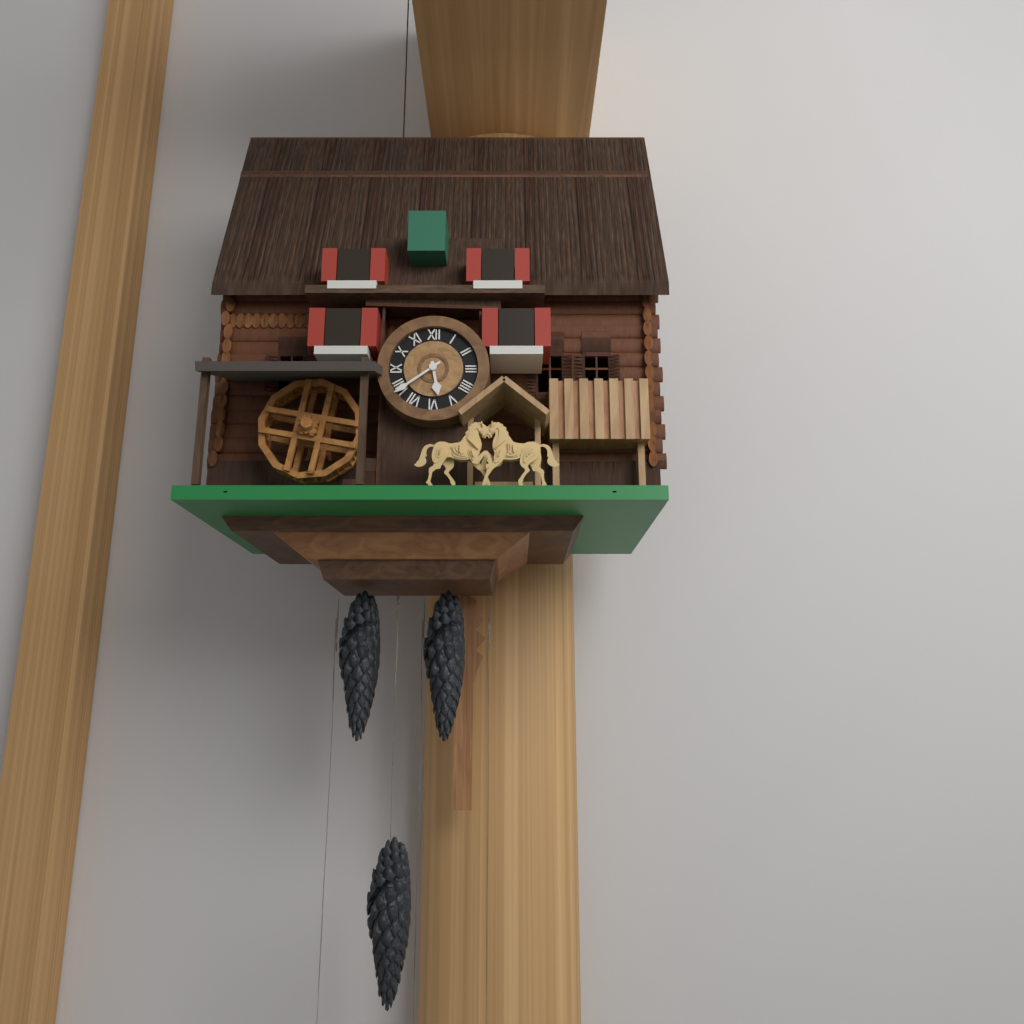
5.39
